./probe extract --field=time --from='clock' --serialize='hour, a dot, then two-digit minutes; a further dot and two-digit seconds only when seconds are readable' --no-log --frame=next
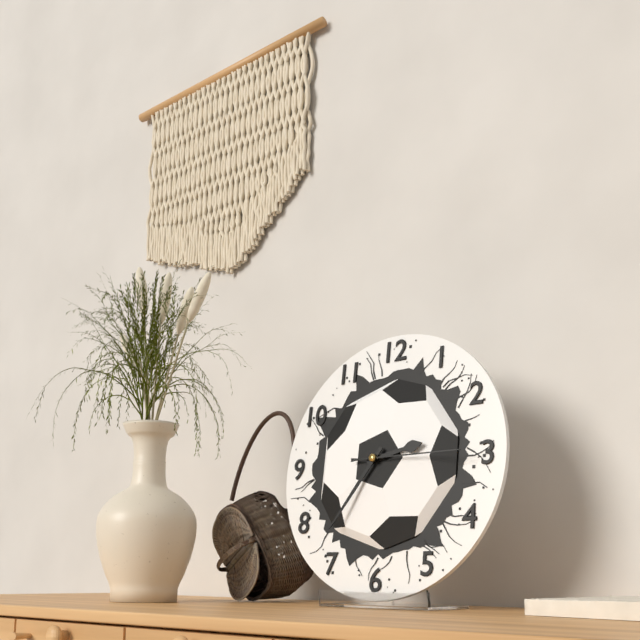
2.36.15
